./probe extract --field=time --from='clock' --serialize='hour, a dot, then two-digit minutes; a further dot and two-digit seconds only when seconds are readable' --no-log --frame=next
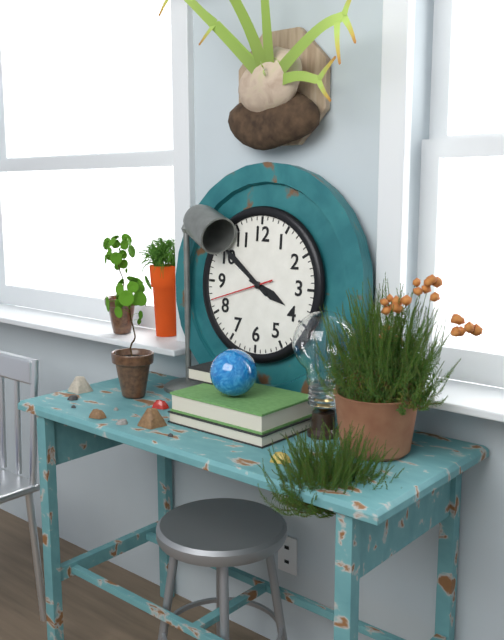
3.51.42
